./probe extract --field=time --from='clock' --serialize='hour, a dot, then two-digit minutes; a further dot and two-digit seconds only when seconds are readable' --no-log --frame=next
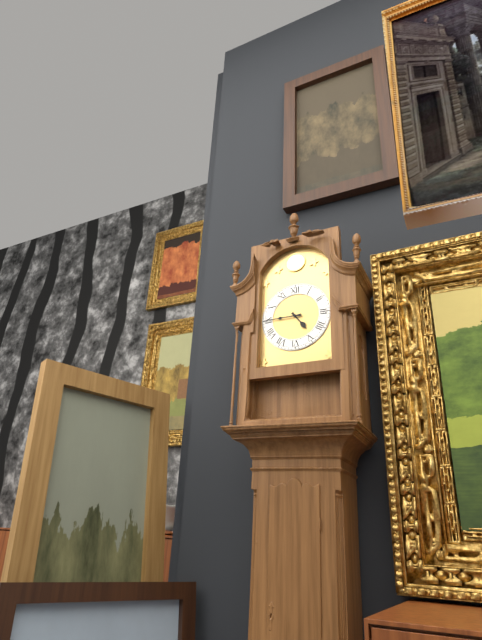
4.45
